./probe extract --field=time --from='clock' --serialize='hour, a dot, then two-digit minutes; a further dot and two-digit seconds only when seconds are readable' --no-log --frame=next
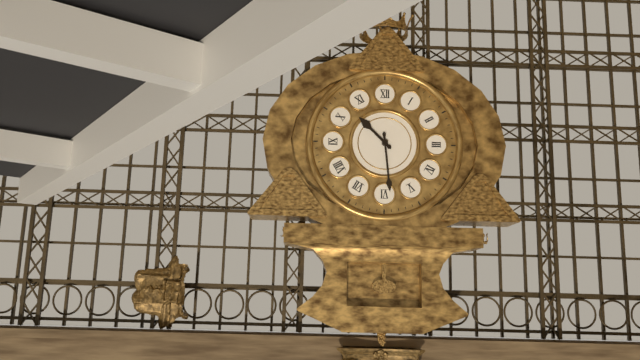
10.29
